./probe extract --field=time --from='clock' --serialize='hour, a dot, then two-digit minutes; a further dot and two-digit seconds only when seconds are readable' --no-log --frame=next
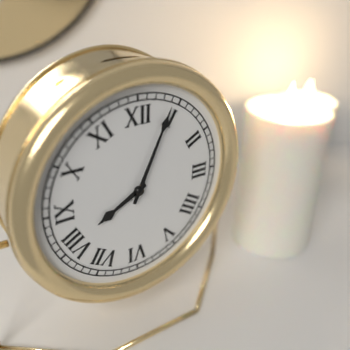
8.04
